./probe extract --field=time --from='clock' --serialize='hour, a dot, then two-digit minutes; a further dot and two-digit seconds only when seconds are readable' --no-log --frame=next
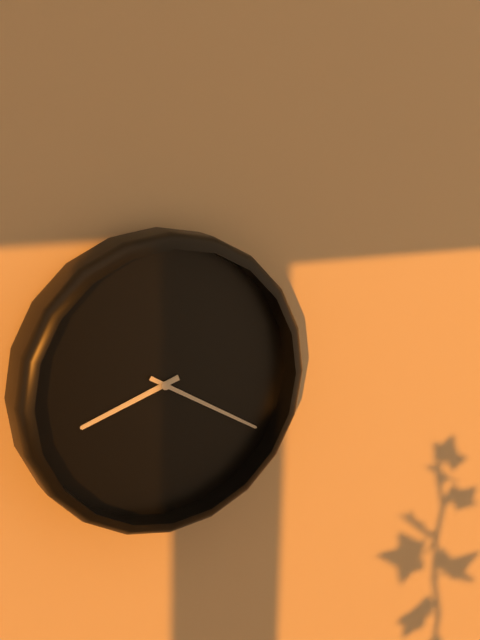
8.20
